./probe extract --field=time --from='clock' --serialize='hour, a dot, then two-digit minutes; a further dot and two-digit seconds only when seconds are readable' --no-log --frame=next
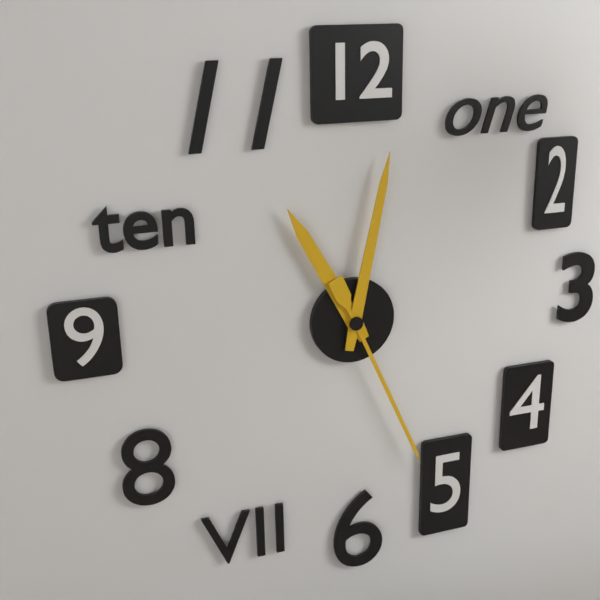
11.02.26
